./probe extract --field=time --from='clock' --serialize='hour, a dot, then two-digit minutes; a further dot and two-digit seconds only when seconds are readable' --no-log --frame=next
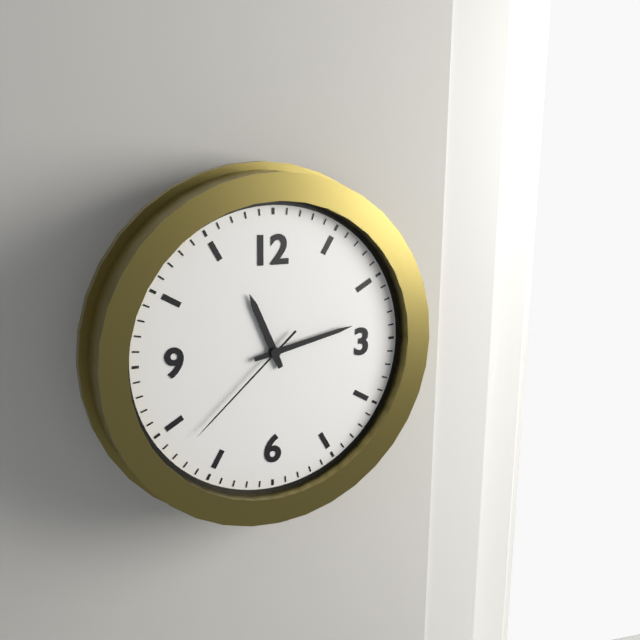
11.13.38
